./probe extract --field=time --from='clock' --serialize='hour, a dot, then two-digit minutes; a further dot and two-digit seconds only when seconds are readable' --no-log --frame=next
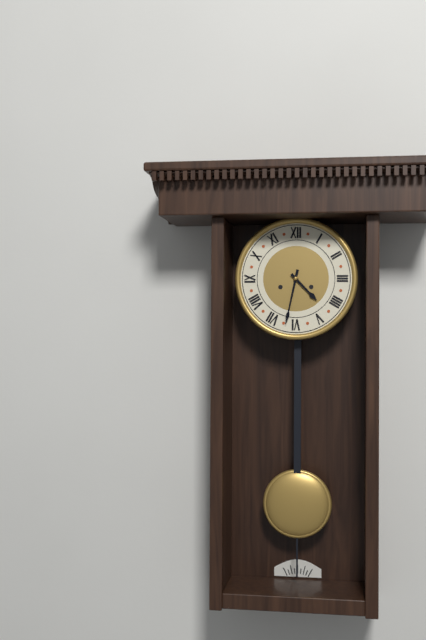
4.32
